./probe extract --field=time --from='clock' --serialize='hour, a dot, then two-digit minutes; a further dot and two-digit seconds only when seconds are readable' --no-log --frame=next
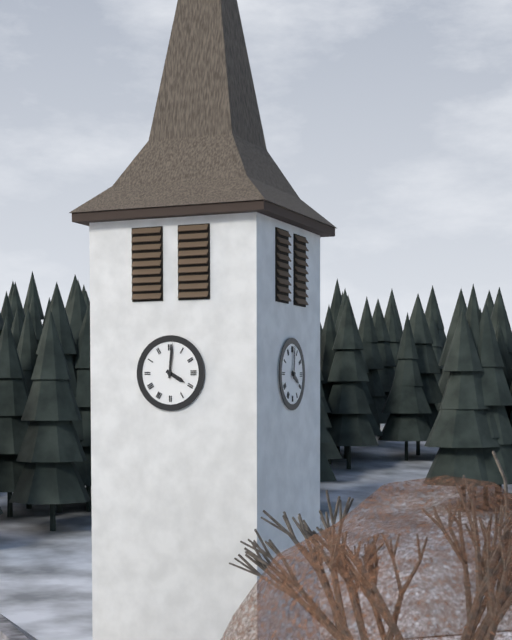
4.01
